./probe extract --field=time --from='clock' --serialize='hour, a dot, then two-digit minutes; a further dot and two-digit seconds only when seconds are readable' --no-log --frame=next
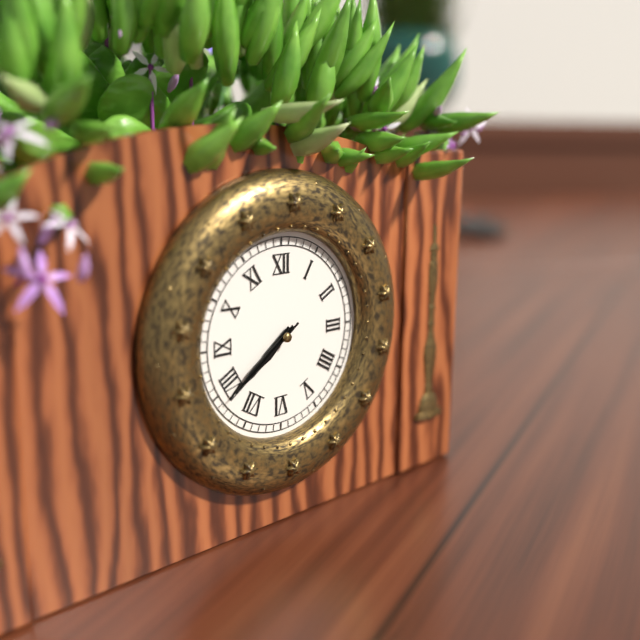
7.39.39
